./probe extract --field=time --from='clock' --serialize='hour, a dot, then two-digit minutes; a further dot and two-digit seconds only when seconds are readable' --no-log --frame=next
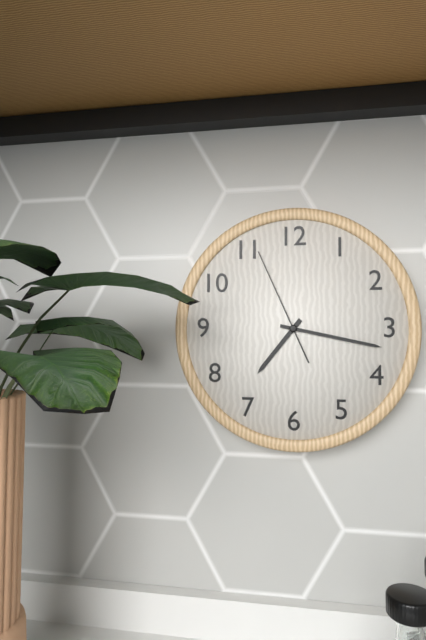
7.17.56
